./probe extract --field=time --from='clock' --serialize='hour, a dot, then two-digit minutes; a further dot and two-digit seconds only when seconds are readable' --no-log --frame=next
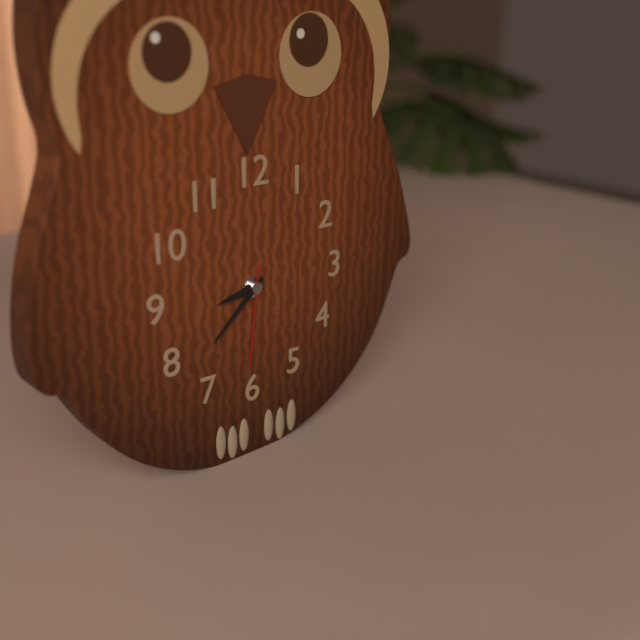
8.38.31
